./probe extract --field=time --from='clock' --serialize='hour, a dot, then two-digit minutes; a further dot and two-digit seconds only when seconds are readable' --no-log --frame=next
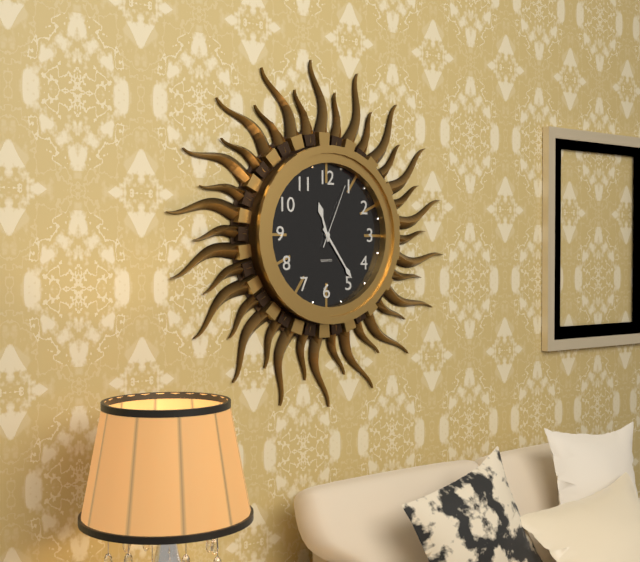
11.24.04
